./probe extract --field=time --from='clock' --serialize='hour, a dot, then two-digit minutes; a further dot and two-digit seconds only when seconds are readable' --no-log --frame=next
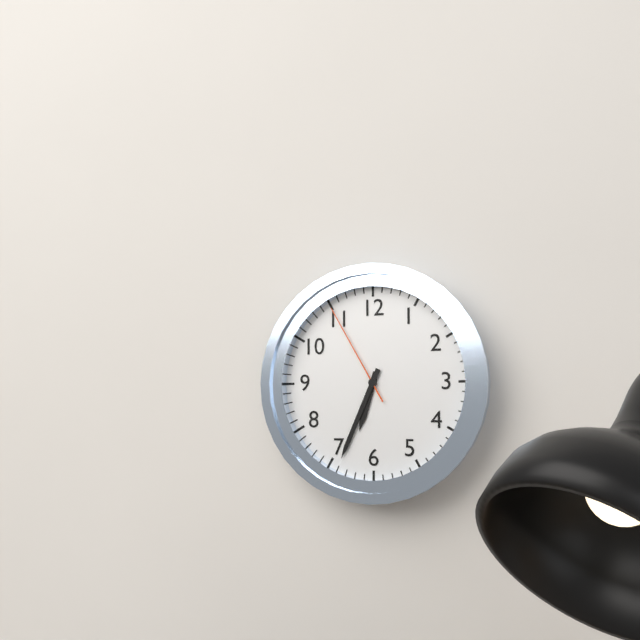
6.34.55
